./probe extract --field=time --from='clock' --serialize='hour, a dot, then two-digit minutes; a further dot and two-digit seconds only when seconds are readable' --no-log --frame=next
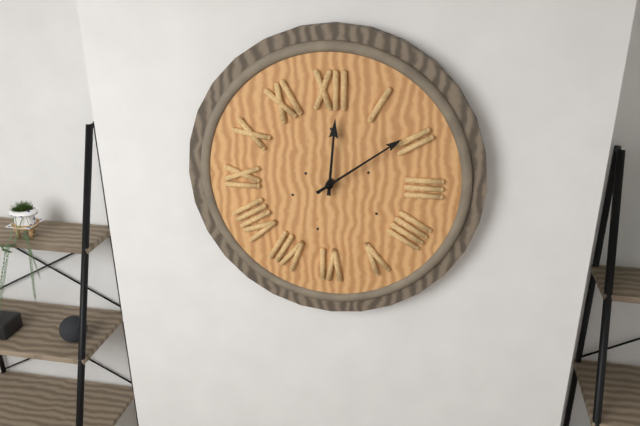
12.09
